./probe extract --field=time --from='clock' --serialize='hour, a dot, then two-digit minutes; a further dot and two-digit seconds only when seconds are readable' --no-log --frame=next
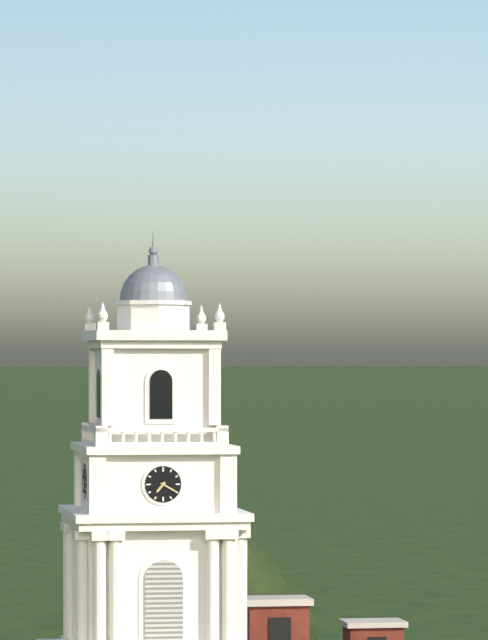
7.20
